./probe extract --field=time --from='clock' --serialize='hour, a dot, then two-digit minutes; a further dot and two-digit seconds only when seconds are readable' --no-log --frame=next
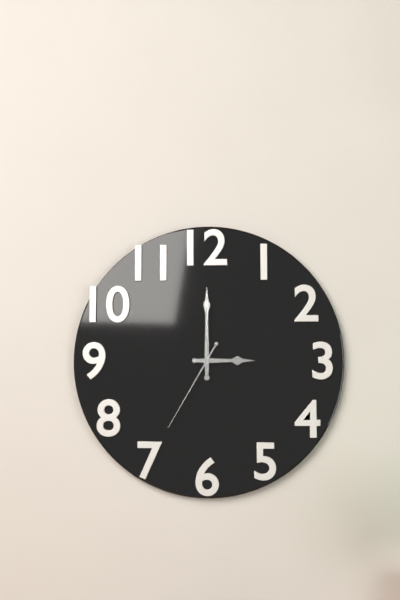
3.00.35
